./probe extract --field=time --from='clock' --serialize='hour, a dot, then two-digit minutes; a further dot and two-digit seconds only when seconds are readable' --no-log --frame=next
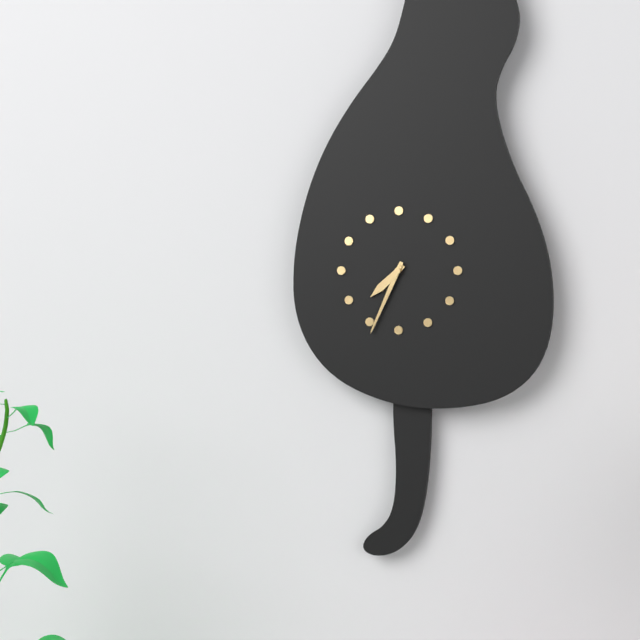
7.34
